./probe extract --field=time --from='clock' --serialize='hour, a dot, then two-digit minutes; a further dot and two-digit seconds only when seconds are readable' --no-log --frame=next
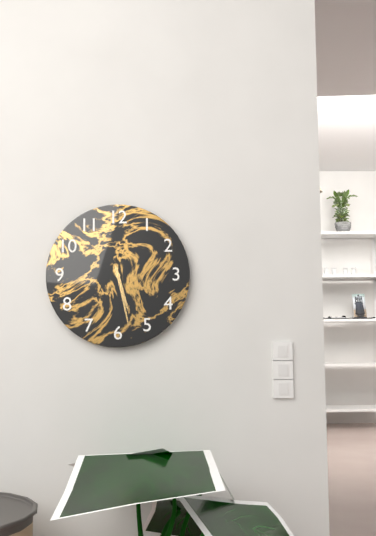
5.28
